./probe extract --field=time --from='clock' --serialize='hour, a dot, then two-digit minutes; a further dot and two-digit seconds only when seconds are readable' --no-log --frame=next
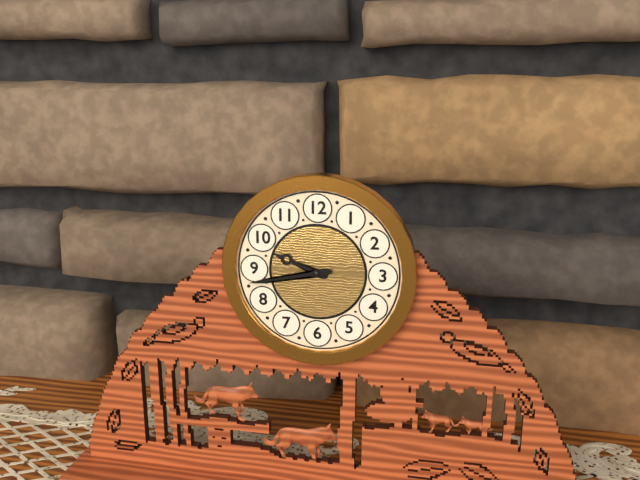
9.43
